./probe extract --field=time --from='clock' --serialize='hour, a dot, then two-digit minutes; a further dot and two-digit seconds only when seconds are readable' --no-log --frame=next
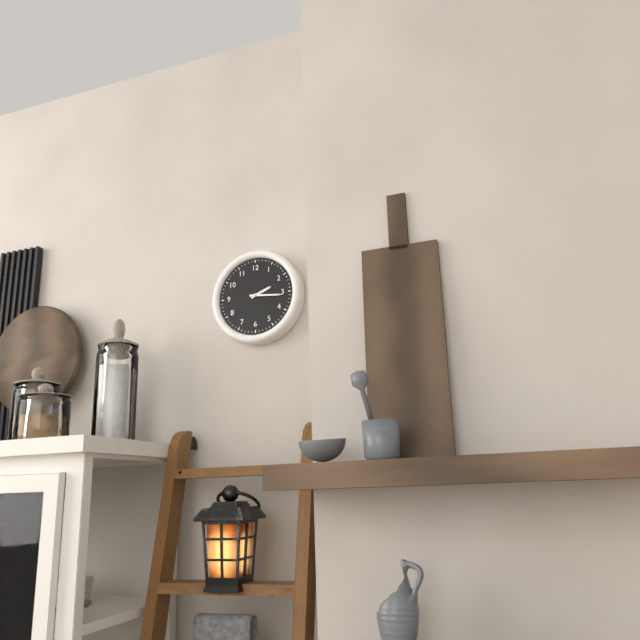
2.16
